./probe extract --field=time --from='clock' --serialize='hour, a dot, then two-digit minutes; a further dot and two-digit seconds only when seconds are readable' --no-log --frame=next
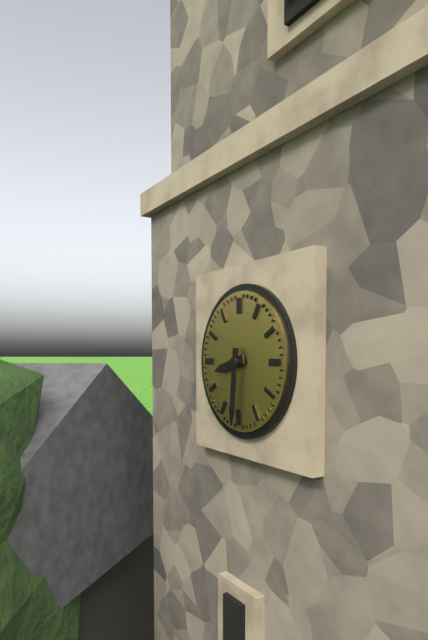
8.31
